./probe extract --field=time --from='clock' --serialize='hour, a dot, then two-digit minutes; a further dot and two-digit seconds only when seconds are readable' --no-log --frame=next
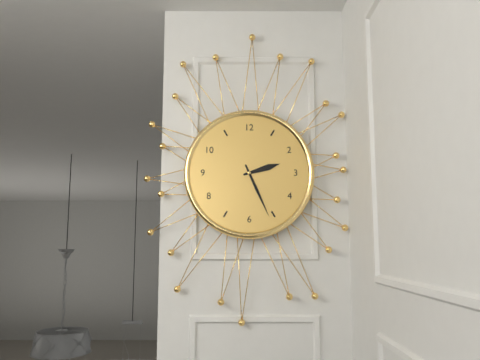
2.26
